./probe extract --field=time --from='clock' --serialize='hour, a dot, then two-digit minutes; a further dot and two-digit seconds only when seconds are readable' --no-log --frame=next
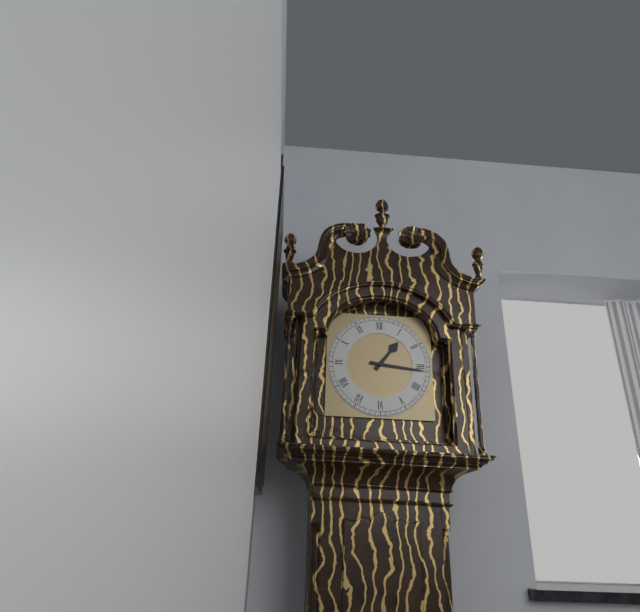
1.16
